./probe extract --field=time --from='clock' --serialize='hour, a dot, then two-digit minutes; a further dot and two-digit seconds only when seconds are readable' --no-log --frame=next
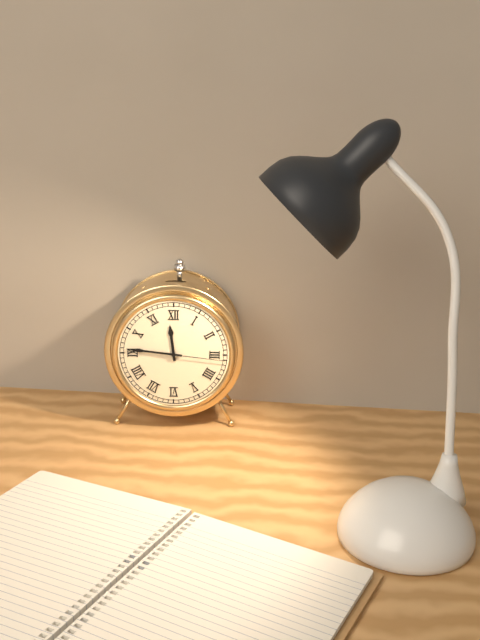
11.46.16
